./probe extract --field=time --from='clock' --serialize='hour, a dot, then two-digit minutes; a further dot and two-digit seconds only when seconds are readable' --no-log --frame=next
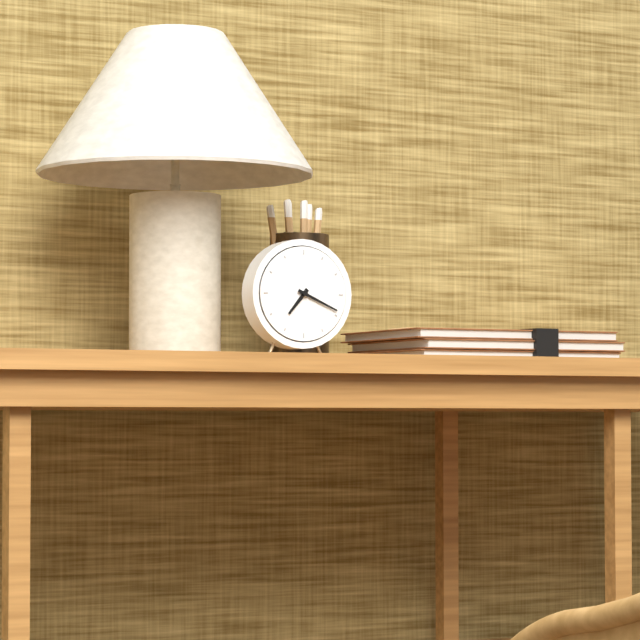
7.19
